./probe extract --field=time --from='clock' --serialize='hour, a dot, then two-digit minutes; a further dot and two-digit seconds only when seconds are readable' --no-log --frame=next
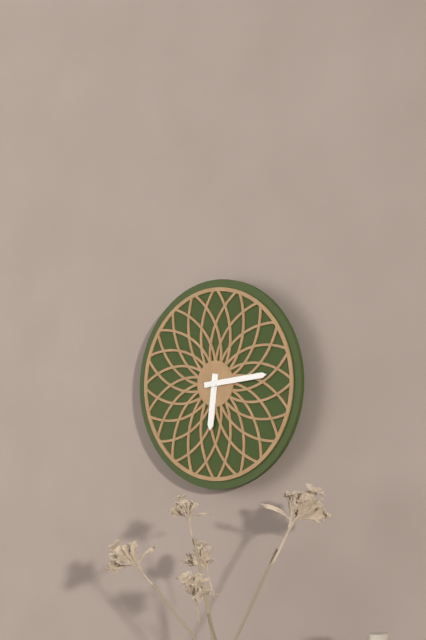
6.14
